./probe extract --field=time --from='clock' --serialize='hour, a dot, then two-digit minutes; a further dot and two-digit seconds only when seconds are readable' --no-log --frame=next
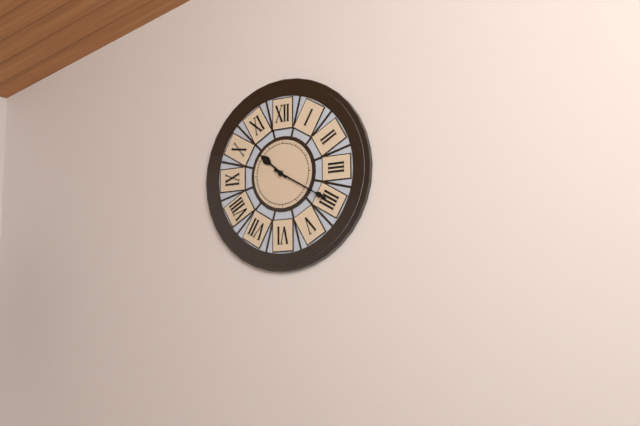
10.20
